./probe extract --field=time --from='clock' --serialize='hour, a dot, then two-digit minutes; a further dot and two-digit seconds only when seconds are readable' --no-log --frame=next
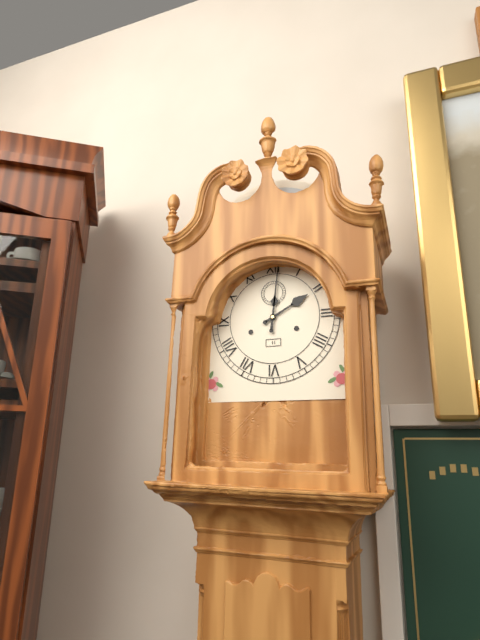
2.01
